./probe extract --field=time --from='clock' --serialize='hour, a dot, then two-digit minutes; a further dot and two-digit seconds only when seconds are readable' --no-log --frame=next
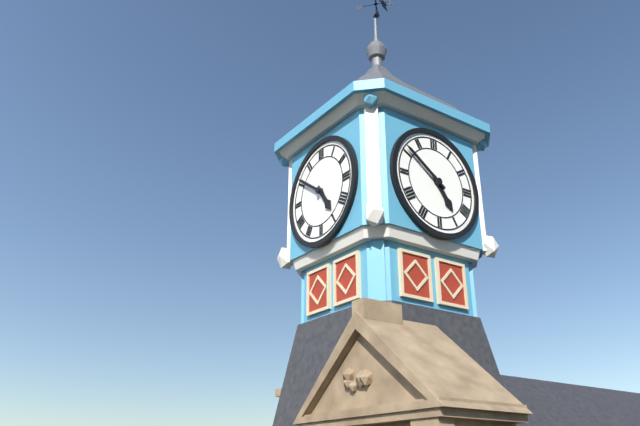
4.51
